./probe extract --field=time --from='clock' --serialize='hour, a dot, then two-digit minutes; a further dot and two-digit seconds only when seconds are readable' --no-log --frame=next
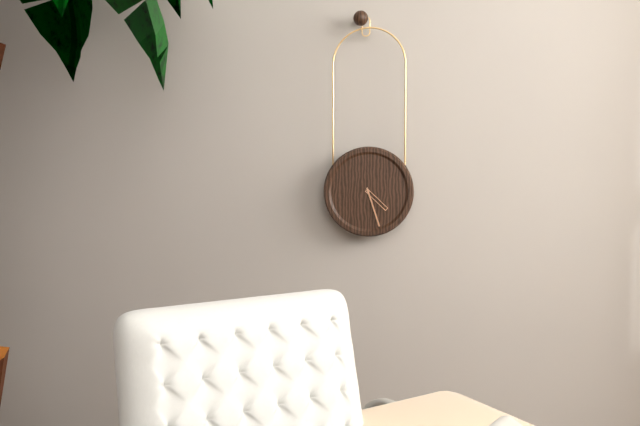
4.27
